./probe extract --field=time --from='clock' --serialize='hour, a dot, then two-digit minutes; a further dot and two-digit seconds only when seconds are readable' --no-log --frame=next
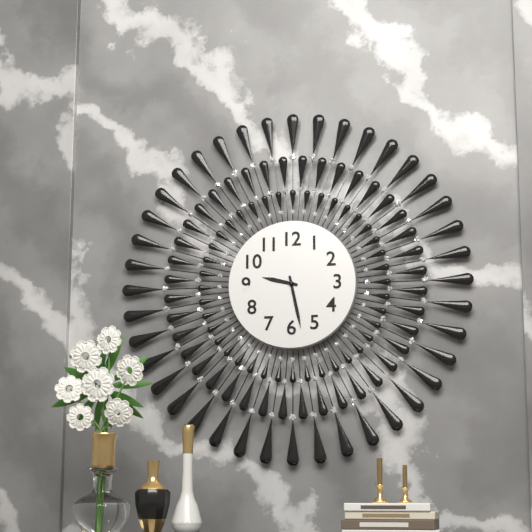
9.28
